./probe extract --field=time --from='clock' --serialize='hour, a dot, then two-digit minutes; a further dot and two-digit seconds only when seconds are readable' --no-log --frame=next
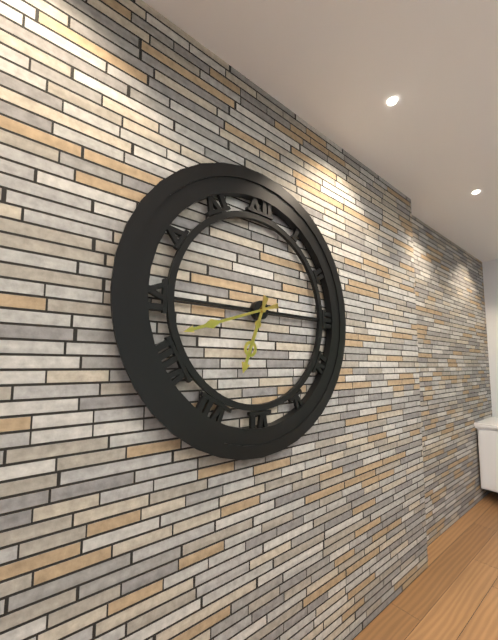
6.42
